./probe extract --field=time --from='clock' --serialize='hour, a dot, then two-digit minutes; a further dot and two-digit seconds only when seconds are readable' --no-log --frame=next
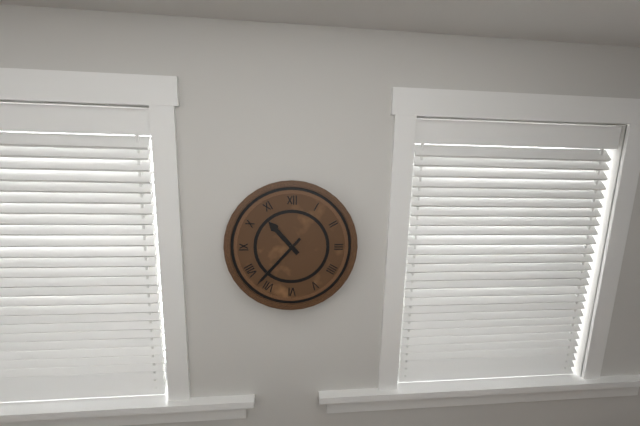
10.37
